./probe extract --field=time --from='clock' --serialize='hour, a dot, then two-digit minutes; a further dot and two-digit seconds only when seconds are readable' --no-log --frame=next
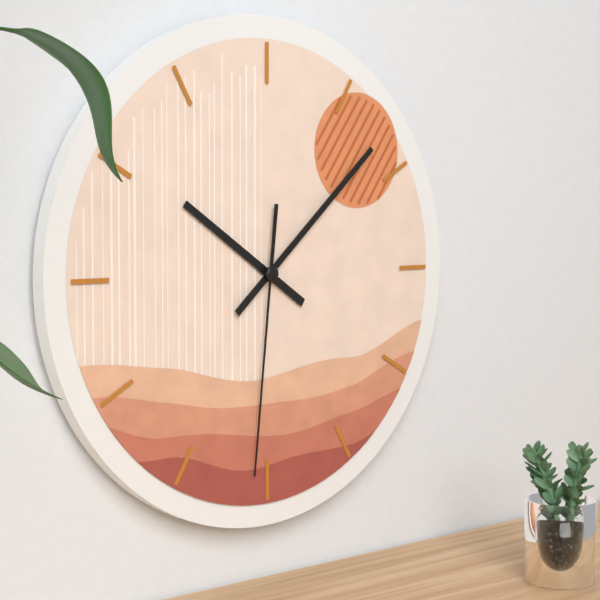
10.08.31
